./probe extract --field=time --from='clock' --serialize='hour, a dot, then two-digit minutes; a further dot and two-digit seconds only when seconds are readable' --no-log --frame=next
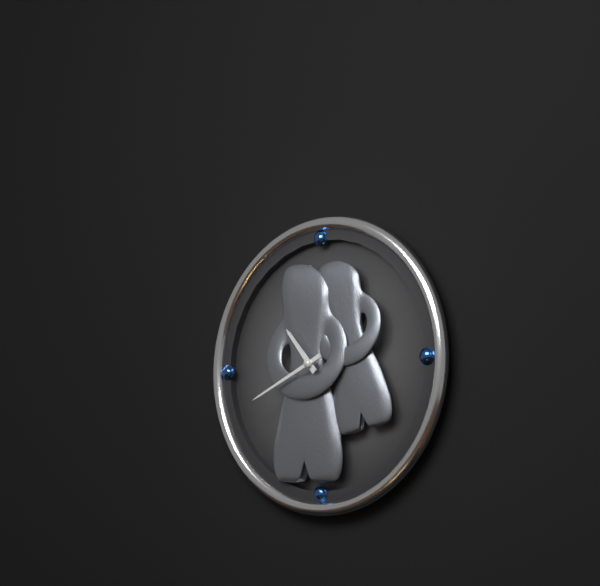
10.41
